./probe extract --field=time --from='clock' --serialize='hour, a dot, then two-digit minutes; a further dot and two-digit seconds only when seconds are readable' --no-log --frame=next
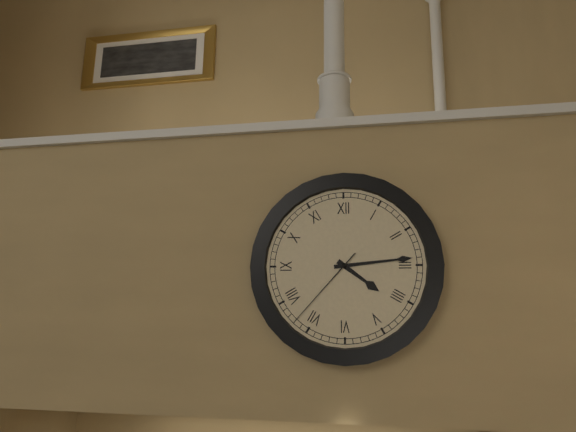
4.14.37
